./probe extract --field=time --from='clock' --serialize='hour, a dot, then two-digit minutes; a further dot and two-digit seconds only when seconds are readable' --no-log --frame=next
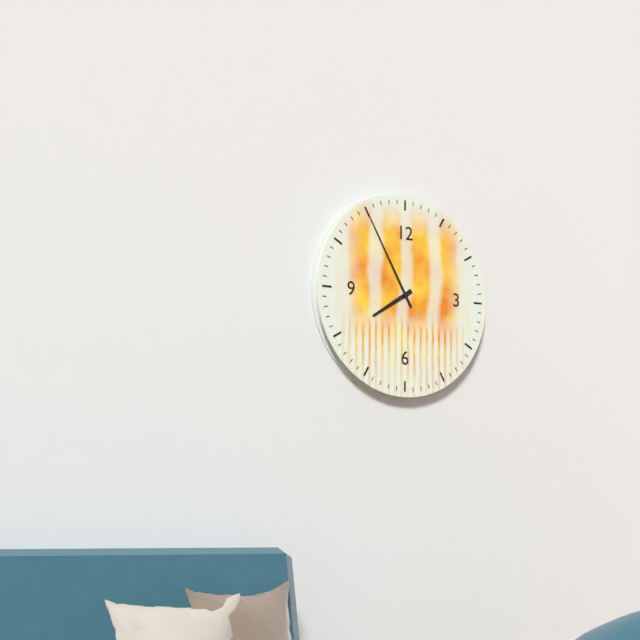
7.55
